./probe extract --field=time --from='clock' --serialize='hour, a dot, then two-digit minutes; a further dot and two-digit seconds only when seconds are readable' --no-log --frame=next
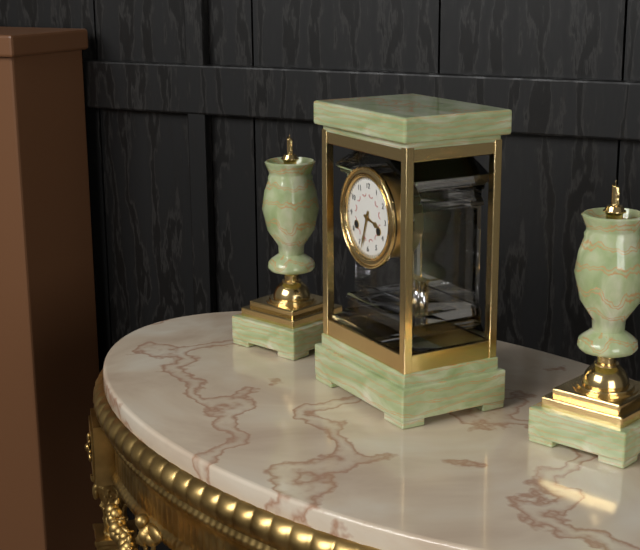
3.33
